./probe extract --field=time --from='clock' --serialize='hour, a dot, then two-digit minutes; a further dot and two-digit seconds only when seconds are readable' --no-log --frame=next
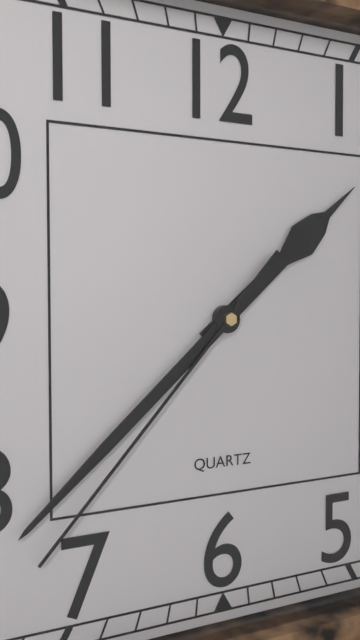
1.38.37
